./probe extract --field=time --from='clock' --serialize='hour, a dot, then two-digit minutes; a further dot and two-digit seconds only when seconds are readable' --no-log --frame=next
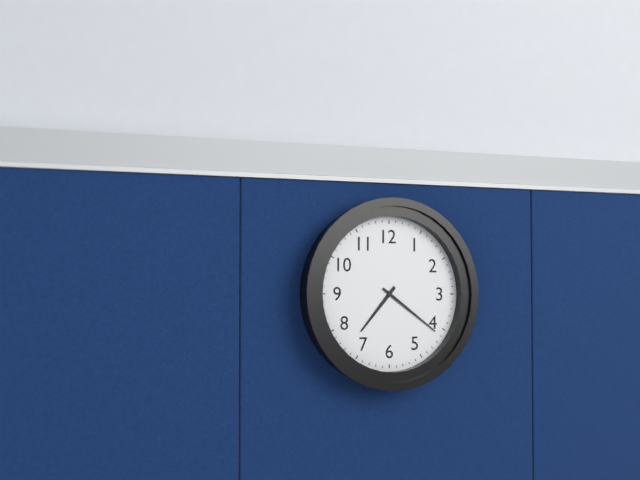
7.21
